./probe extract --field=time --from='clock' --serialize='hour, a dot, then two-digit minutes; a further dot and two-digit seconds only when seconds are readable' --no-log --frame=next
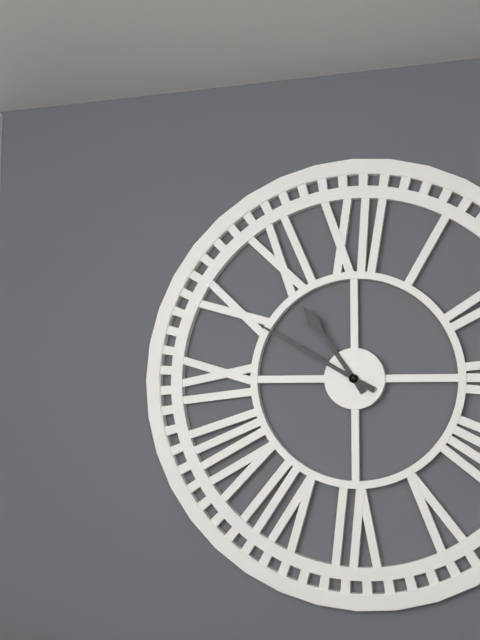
10.50
